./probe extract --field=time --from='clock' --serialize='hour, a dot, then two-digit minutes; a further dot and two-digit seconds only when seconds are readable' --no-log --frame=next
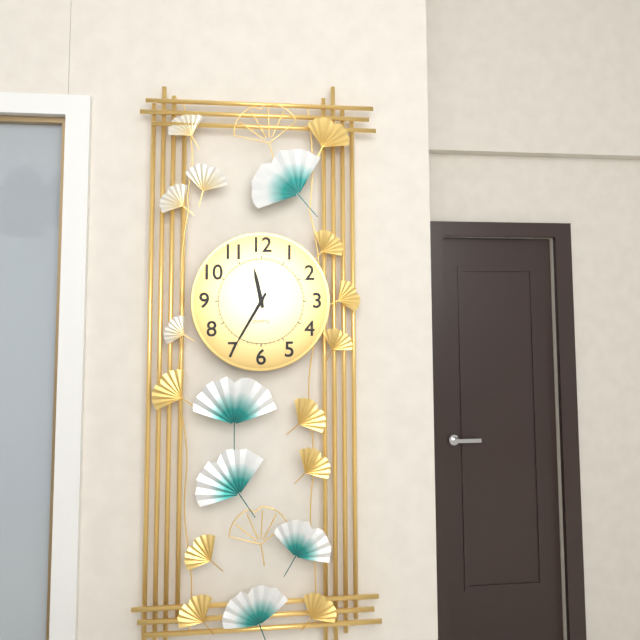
11.35
